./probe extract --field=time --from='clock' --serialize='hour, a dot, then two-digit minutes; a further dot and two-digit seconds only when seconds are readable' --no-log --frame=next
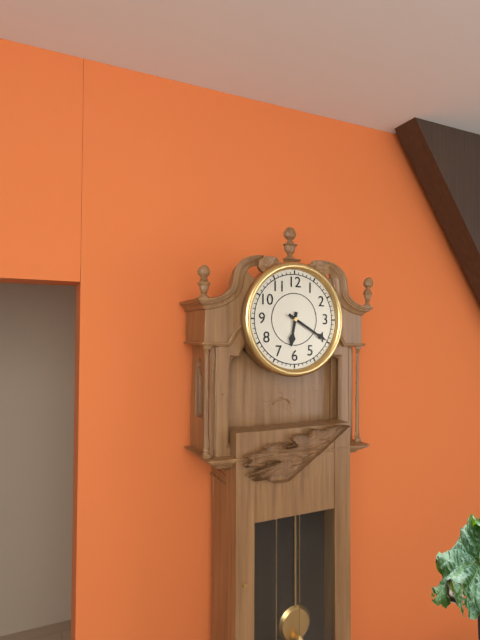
6.20
